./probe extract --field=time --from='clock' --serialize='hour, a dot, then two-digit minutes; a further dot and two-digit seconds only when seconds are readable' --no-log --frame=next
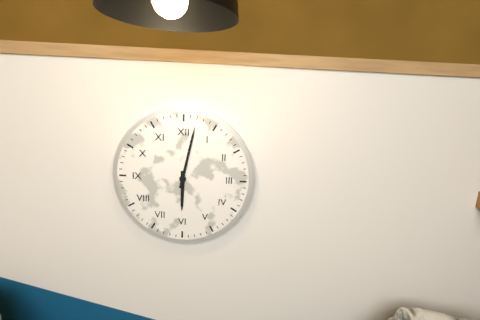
6.02
